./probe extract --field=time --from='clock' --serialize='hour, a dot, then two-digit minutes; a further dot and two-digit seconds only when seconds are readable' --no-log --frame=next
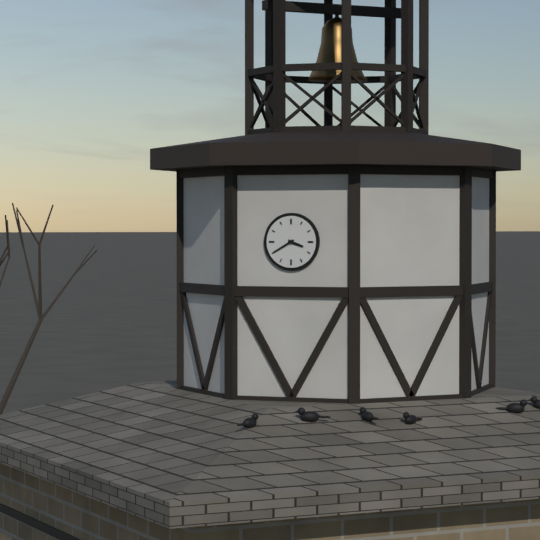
3.40
